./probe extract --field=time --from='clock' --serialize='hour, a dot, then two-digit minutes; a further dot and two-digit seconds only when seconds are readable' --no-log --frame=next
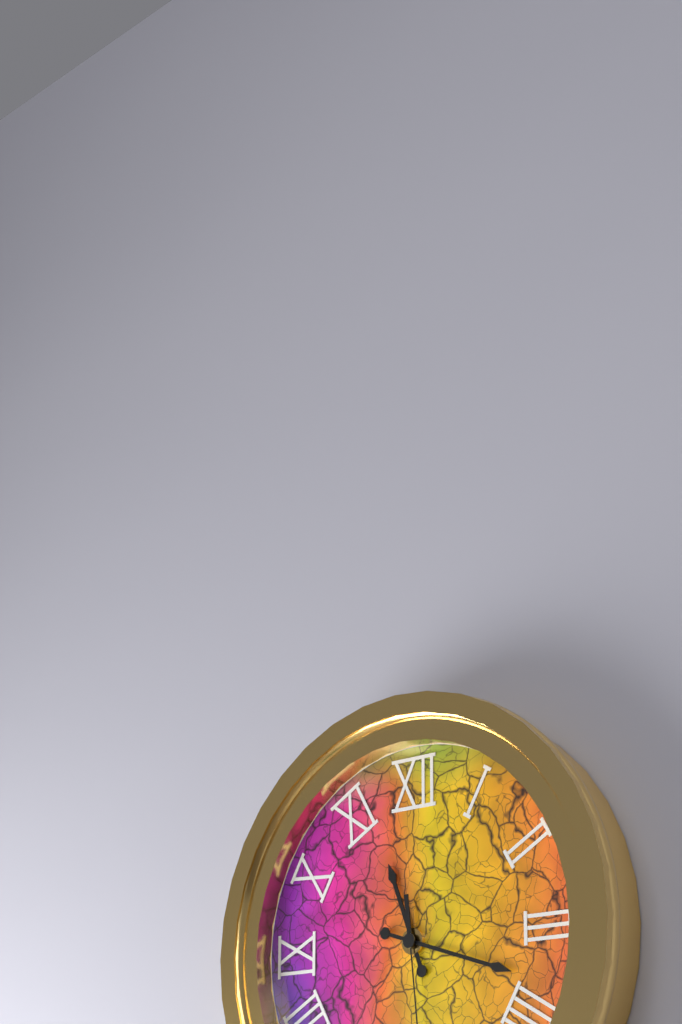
11.18
